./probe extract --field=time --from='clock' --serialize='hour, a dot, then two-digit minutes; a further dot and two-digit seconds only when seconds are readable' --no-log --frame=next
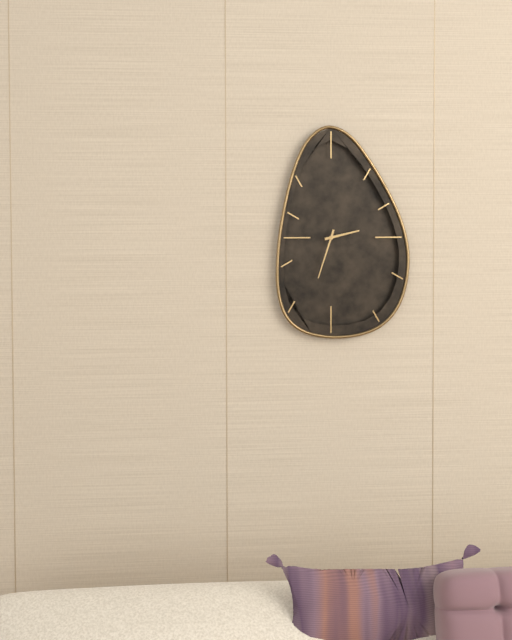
2.33
